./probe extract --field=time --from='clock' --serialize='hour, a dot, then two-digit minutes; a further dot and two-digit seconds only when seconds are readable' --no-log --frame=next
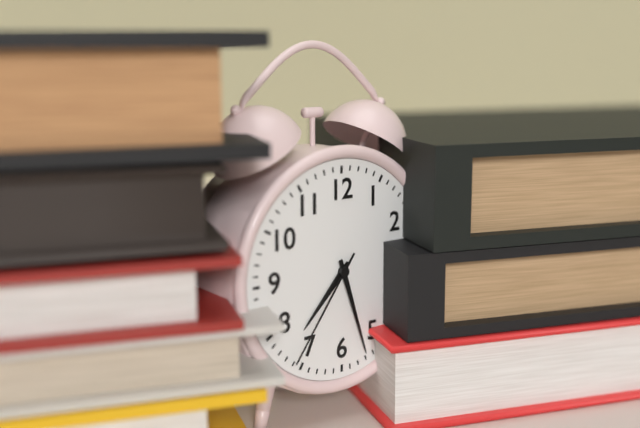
7.27.36
